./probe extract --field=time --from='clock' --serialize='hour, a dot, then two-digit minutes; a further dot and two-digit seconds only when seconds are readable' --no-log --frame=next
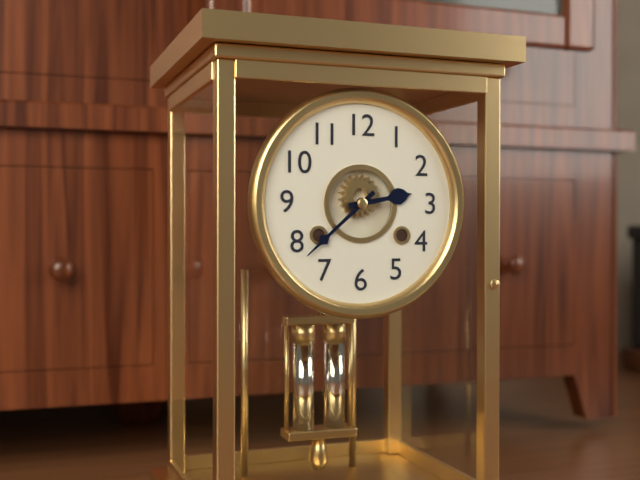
2.38
